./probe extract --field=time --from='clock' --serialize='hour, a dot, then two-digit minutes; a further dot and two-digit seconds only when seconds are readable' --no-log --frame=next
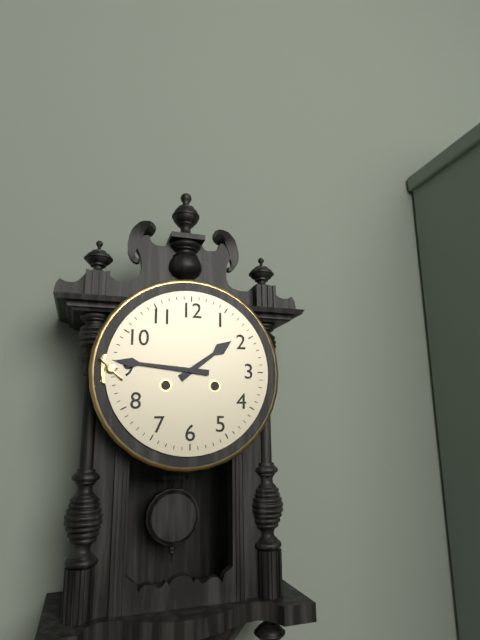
1.46
